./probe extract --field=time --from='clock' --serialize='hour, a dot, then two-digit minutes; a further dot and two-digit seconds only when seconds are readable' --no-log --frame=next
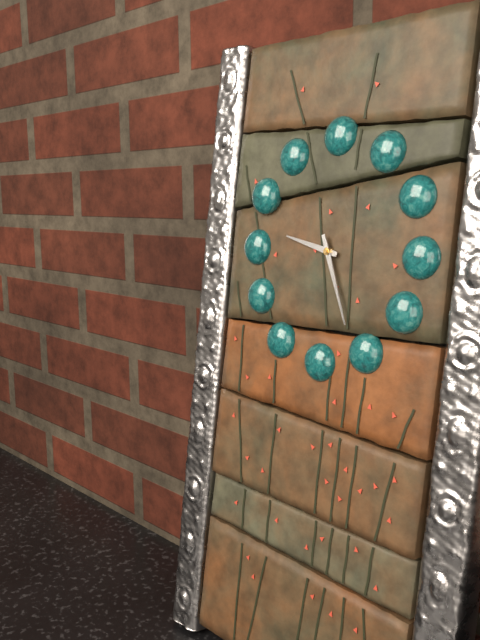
9.26
